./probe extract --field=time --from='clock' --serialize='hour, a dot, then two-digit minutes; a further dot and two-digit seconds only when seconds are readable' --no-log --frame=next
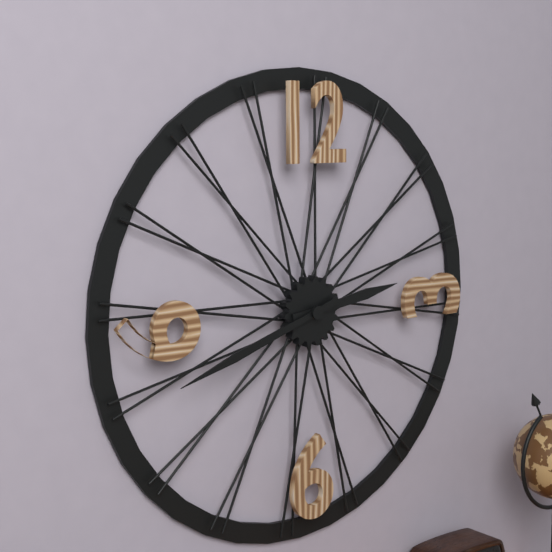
2.42
